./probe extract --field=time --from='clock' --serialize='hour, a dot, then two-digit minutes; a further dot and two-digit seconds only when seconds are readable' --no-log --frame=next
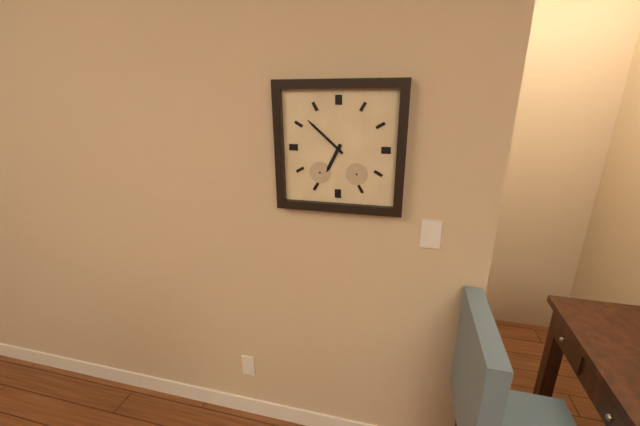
6.52
